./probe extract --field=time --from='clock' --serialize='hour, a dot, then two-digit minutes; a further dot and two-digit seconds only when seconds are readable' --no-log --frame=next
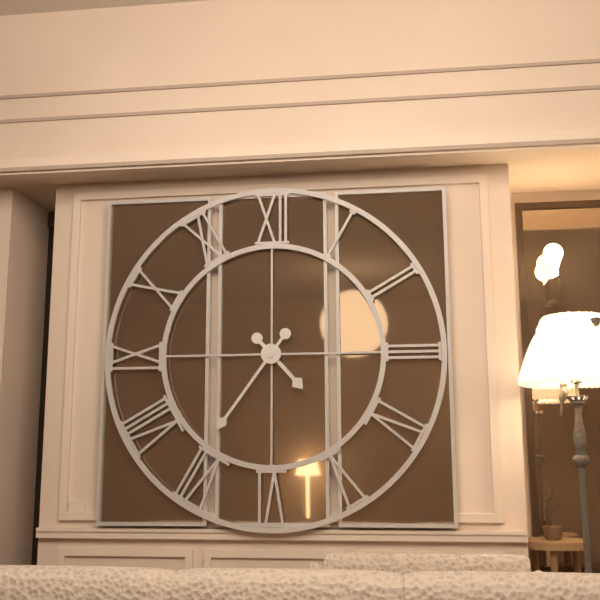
4.36
